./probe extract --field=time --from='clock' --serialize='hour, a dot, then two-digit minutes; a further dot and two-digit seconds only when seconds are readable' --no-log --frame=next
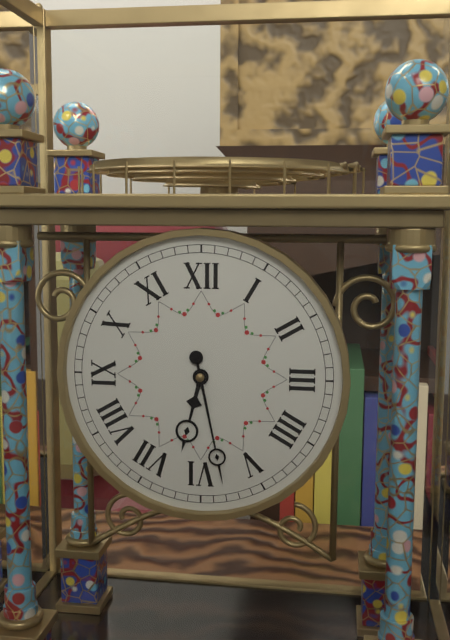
6.28
